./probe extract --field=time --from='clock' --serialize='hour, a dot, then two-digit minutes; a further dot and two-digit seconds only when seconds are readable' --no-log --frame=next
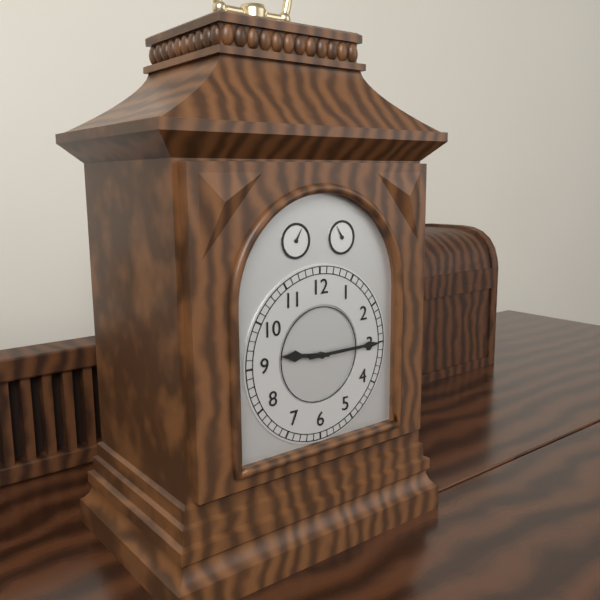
9.15
